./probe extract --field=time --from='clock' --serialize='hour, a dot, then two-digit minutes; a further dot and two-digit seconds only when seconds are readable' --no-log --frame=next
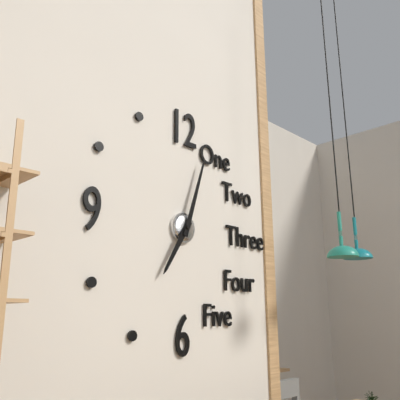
7.03
